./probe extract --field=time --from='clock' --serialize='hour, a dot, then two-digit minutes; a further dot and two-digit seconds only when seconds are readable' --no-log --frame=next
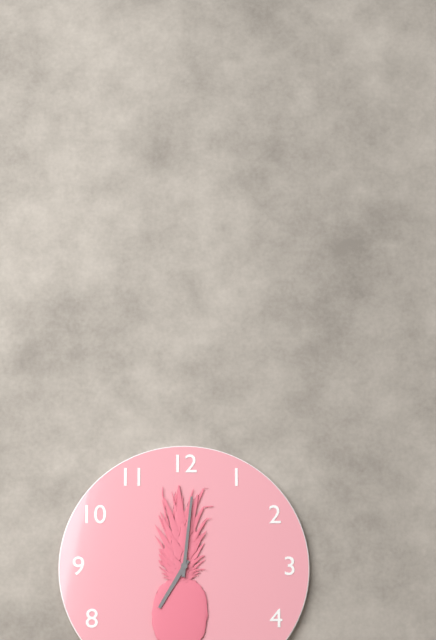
7.01
